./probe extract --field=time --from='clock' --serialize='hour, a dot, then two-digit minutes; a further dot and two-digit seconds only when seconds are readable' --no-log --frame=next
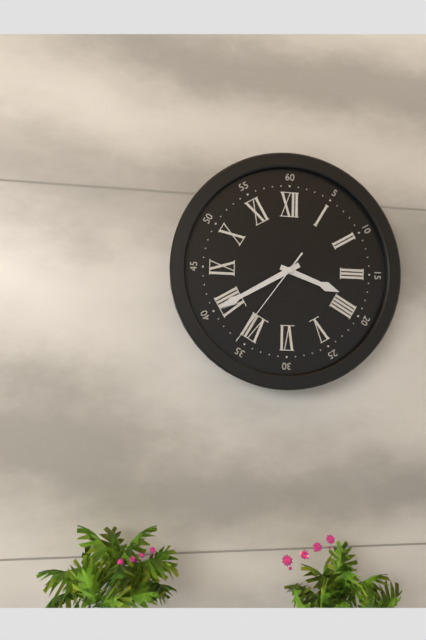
3.40.36
